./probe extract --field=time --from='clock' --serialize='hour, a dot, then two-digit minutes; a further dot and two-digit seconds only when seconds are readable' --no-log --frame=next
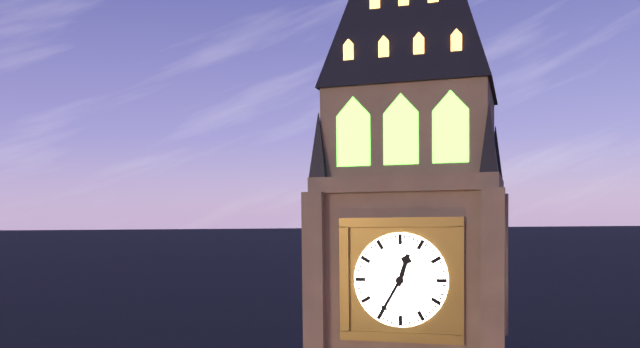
12.35
